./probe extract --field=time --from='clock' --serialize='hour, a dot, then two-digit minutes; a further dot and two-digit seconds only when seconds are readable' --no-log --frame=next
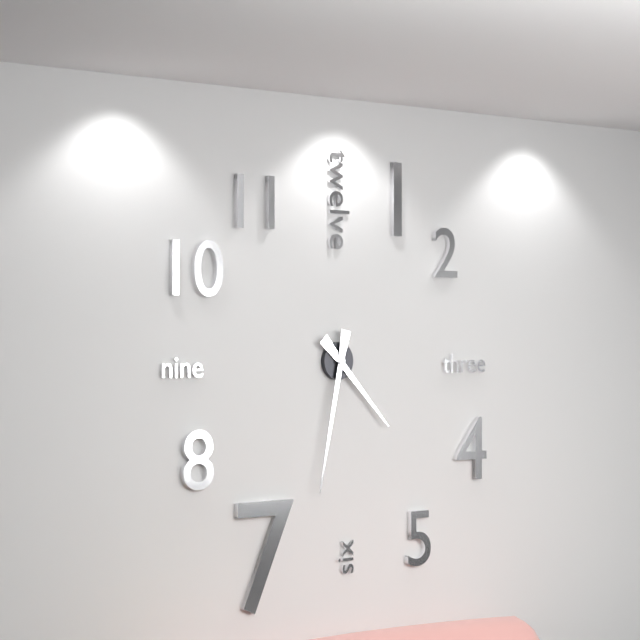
4.32
